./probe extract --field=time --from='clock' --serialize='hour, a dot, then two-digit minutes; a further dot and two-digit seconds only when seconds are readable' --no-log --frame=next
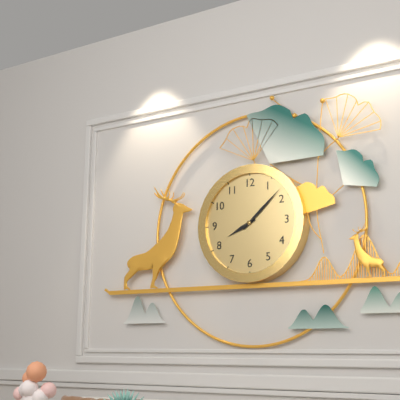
8.08
